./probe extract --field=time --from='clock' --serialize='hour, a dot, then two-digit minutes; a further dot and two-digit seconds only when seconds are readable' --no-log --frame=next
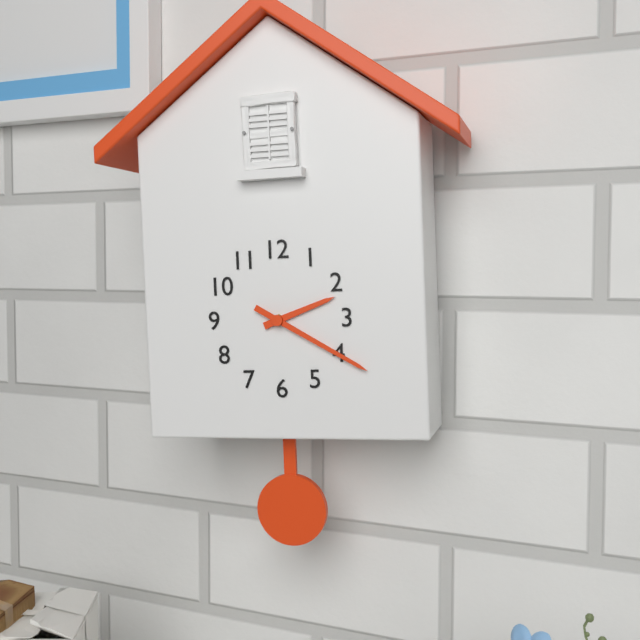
2.20
